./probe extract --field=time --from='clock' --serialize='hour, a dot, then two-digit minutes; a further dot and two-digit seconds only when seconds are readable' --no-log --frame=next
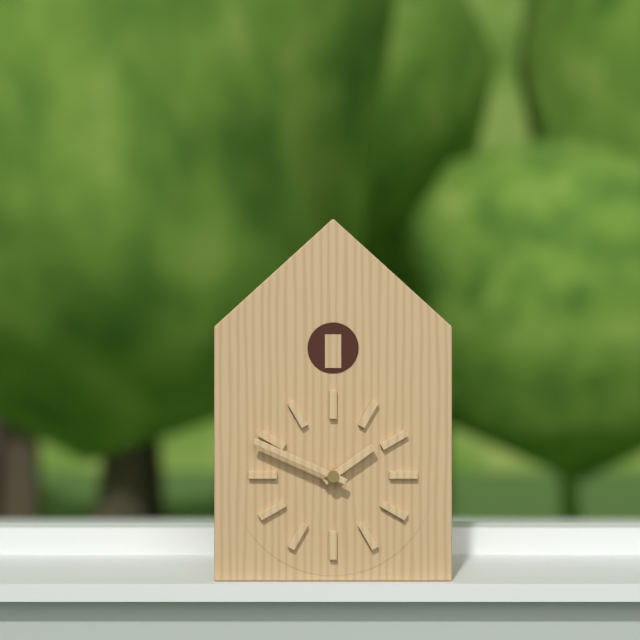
1.49
